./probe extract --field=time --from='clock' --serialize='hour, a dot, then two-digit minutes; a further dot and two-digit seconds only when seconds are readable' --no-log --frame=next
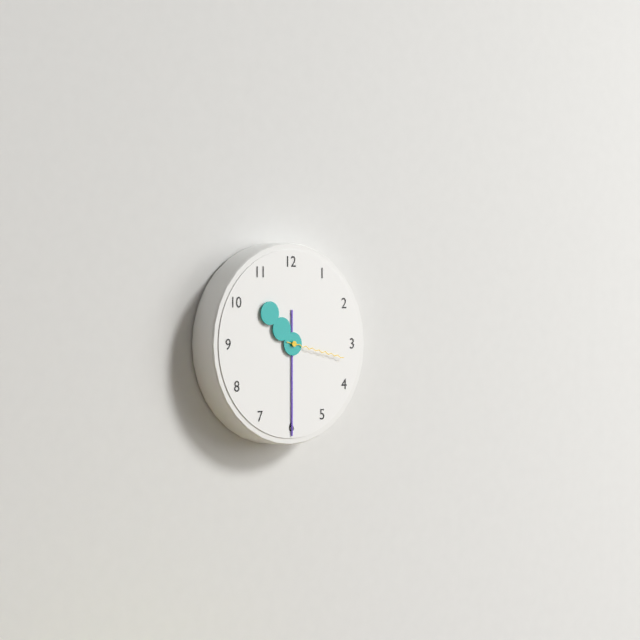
10.30.17
